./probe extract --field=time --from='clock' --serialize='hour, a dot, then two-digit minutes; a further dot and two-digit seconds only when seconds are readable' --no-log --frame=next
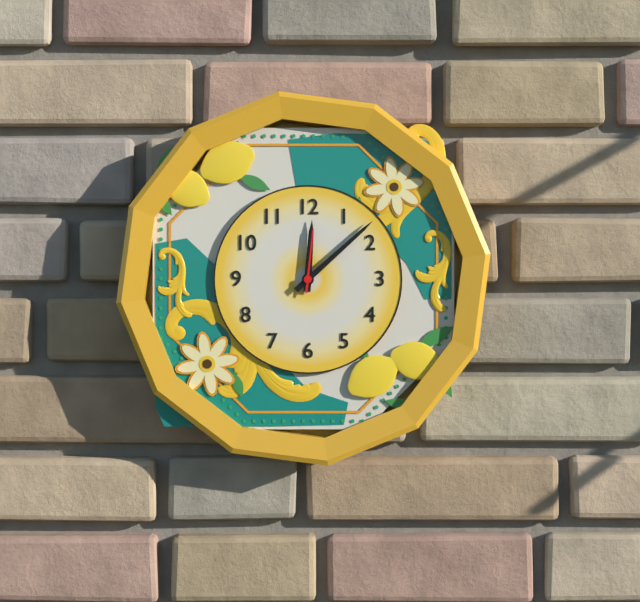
12.08.01
